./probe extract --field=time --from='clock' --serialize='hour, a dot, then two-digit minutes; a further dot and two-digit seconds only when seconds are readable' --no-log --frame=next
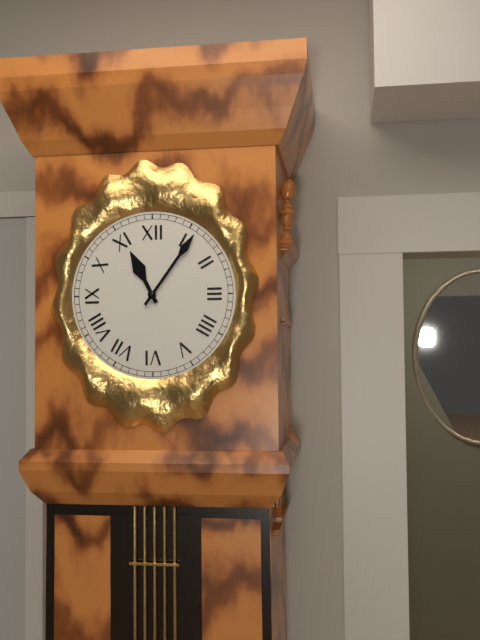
11.06
